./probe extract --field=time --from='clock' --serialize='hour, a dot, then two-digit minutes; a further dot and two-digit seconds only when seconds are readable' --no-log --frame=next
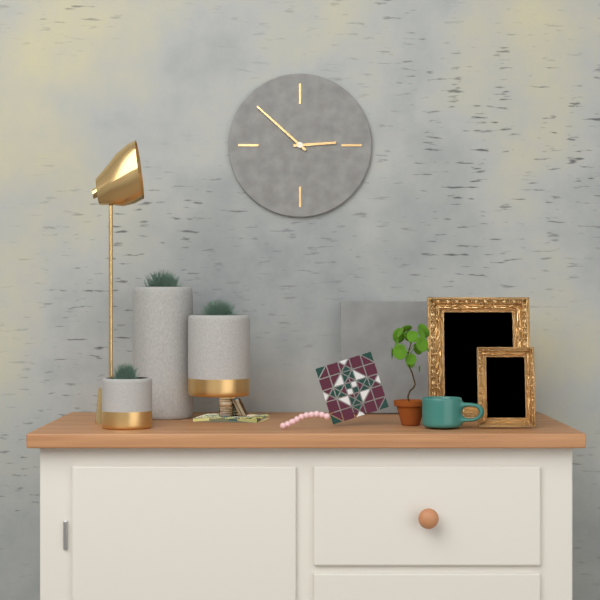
2.52
